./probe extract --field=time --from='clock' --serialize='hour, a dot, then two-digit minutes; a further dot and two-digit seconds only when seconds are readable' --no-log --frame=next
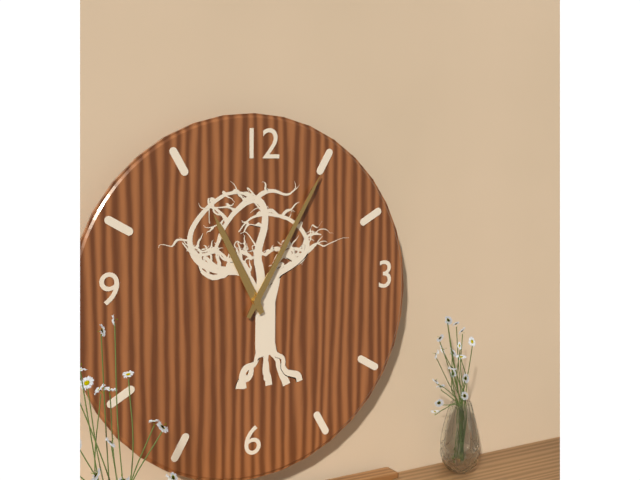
11.05
